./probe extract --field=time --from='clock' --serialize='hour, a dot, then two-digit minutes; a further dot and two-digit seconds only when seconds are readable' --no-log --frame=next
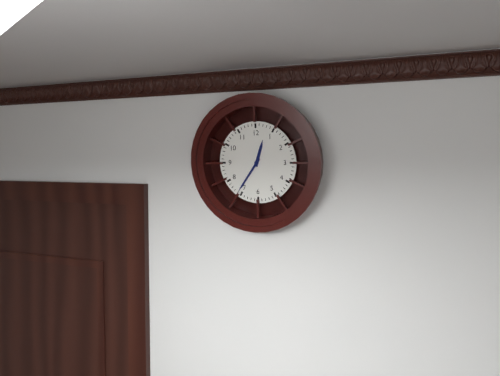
12.36
